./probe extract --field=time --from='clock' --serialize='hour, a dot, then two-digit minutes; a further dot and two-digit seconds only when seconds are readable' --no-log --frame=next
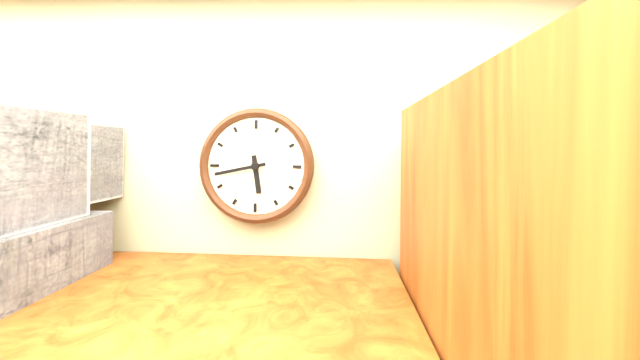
5.43
